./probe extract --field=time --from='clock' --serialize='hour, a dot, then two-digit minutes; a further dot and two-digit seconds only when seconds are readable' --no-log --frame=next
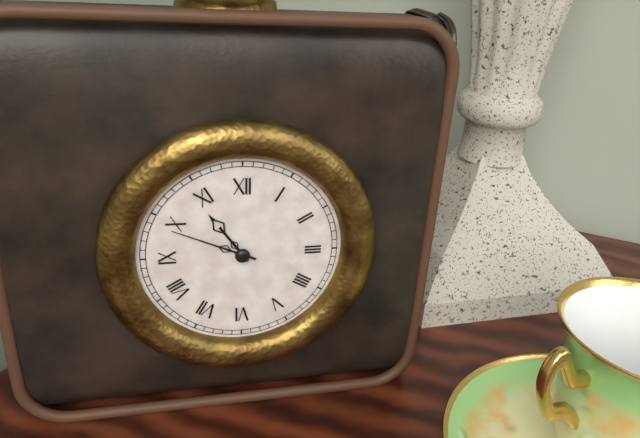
10.49
